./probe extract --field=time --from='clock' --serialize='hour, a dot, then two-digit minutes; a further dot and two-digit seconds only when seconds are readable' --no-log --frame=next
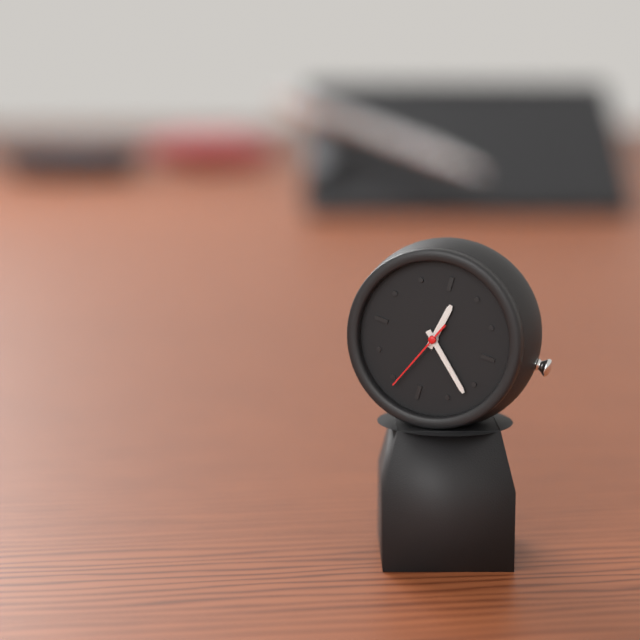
12.22.34
